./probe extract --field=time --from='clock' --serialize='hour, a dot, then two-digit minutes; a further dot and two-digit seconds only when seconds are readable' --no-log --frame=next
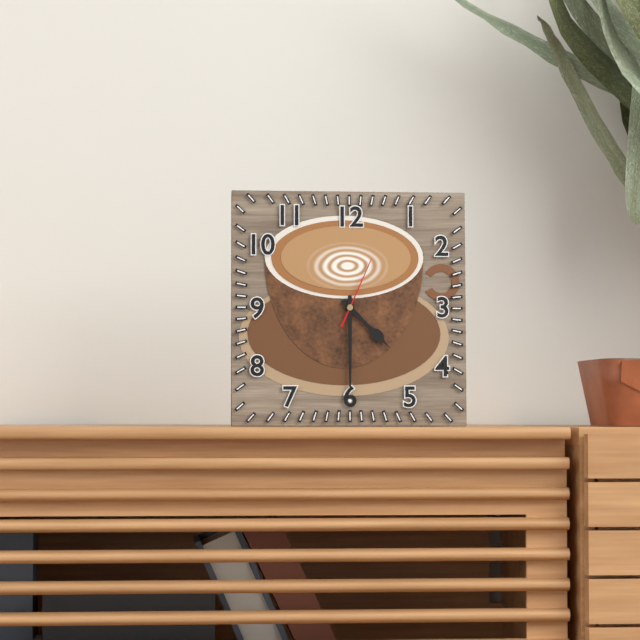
4.30.04
